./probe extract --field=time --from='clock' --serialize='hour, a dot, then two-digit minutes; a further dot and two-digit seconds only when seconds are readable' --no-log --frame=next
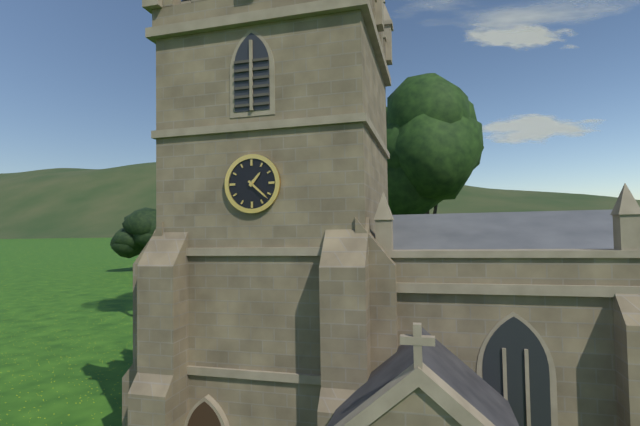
1.22
